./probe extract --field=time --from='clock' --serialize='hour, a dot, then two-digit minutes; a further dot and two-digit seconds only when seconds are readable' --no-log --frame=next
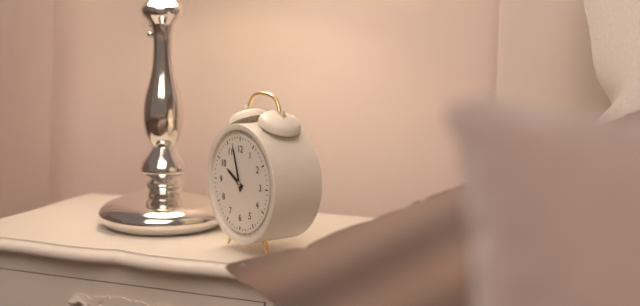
9.57
